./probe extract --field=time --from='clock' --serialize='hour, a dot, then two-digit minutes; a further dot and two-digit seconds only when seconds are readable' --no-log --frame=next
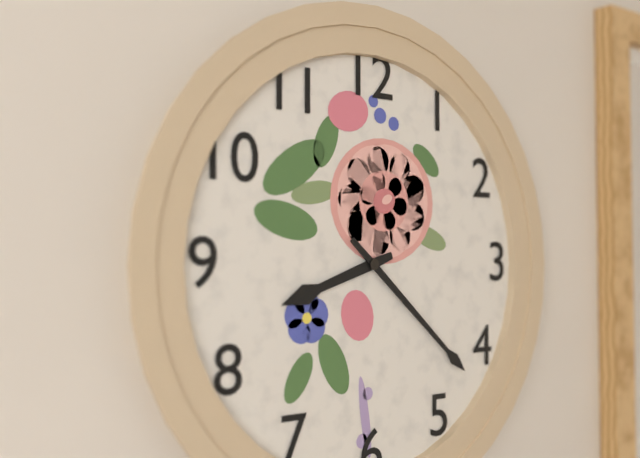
8.22
